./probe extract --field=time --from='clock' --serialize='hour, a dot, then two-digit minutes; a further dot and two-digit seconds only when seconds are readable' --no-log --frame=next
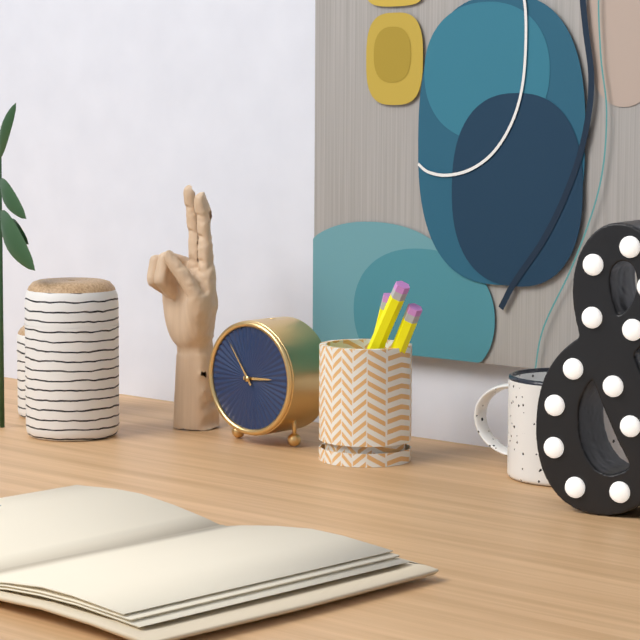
2.54
